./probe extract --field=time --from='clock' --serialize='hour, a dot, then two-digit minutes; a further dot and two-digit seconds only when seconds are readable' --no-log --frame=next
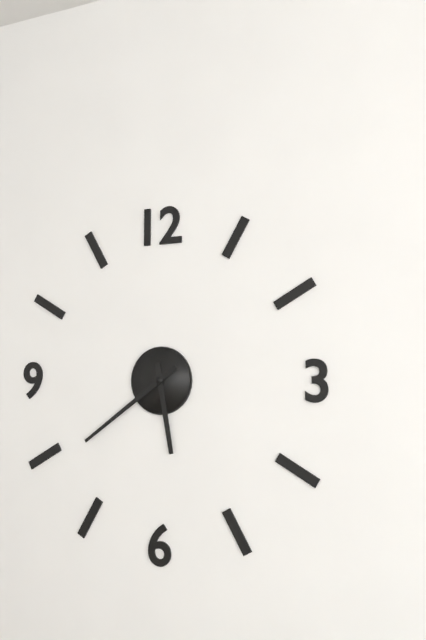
5.39
